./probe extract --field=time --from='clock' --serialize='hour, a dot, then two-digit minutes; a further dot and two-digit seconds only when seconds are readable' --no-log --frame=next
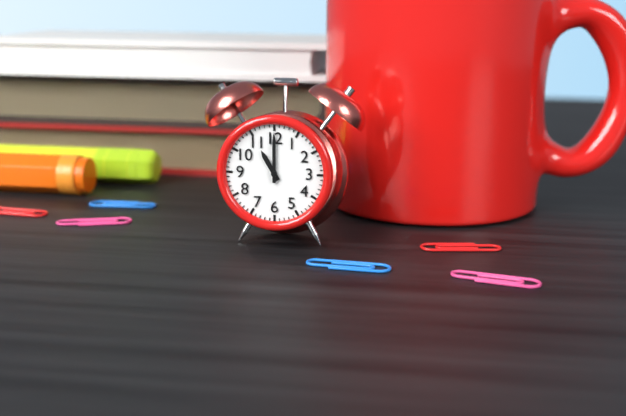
11.00
